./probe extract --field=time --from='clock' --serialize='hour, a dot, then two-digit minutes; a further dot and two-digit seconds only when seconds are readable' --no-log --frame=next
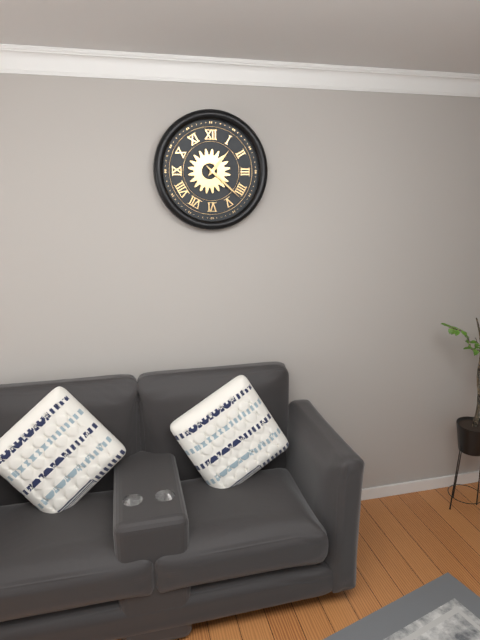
1.22
